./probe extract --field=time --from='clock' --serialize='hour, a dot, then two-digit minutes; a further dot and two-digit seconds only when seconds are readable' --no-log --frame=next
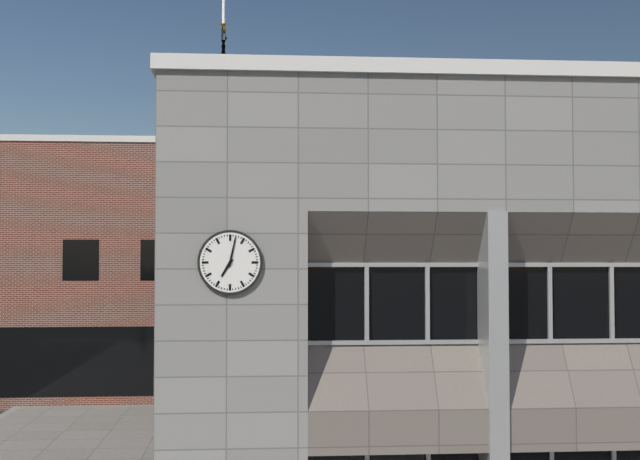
7.02
